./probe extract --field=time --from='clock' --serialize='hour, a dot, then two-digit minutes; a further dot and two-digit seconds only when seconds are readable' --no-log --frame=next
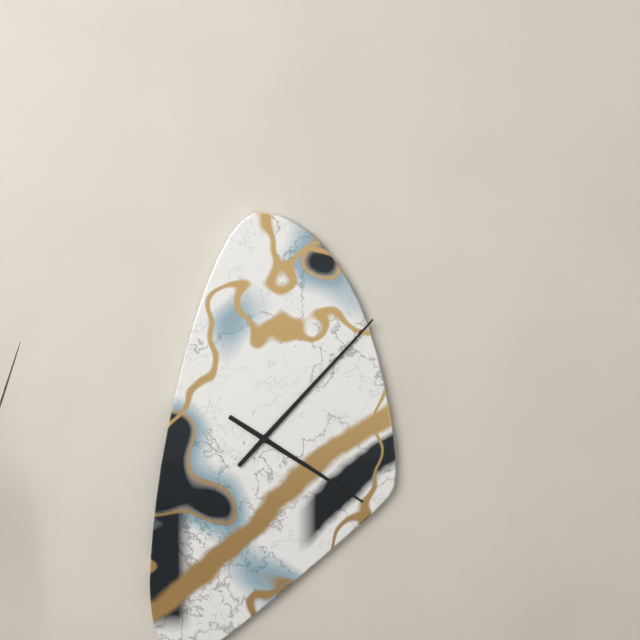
4.07
